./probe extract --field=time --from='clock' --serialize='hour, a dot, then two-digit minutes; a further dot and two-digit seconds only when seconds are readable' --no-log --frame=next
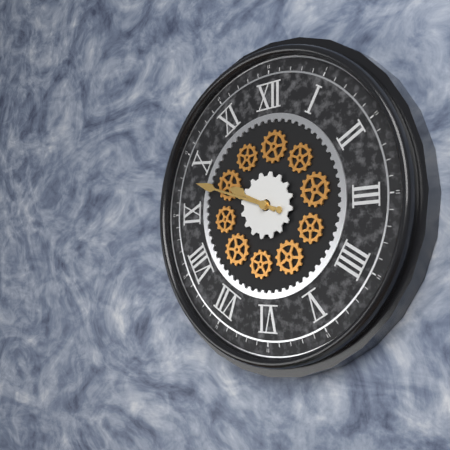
9.48
